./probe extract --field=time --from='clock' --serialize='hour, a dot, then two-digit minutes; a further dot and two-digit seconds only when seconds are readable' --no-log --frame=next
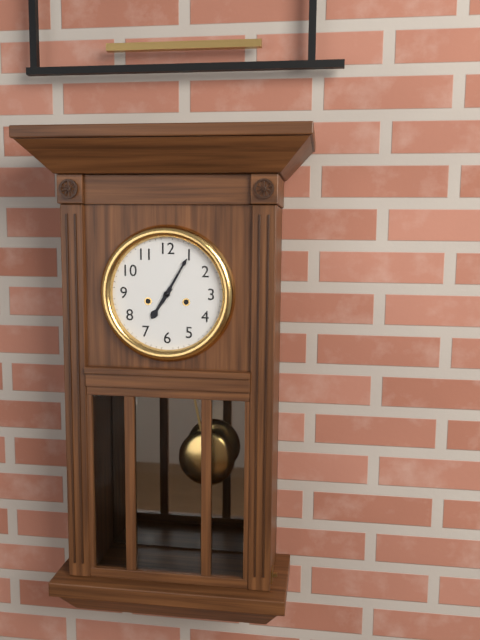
7.05
